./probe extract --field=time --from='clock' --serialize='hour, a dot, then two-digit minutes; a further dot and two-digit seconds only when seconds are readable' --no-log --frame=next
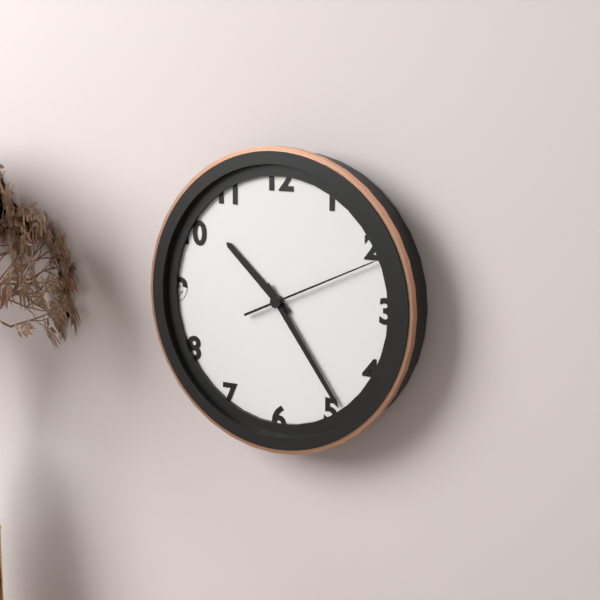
10.24.11
